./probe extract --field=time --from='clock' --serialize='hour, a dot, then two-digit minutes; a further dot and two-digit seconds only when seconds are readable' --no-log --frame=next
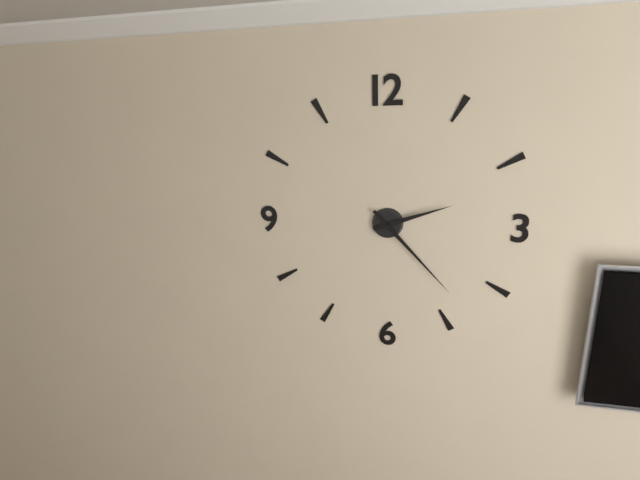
2.23
